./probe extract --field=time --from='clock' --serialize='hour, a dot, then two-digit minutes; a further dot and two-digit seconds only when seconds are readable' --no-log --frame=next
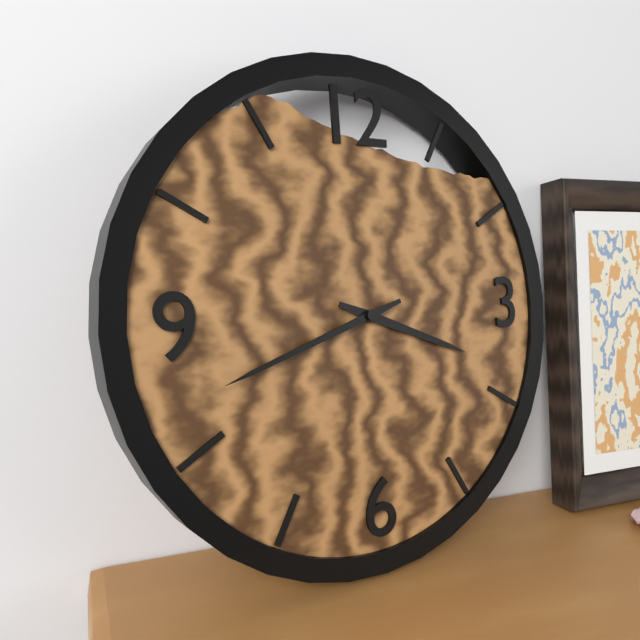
3.42
